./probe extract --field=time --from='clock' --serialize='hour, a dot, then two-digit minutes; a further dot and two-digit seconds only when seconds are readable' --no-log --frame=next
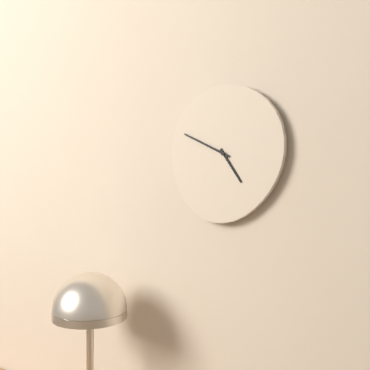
4.49
